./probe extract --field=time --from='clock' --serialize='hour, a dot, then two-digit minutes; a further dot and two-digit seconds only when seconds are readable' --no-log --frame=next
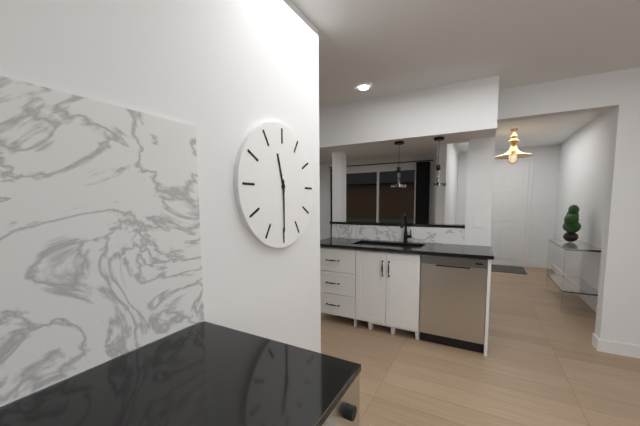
11.30
